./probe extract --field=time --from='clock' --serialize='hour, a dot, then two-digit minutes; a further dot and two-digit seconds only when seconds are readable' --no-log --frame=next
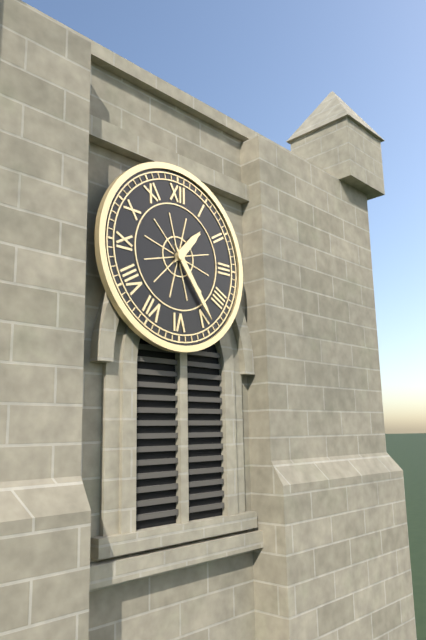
1.24
